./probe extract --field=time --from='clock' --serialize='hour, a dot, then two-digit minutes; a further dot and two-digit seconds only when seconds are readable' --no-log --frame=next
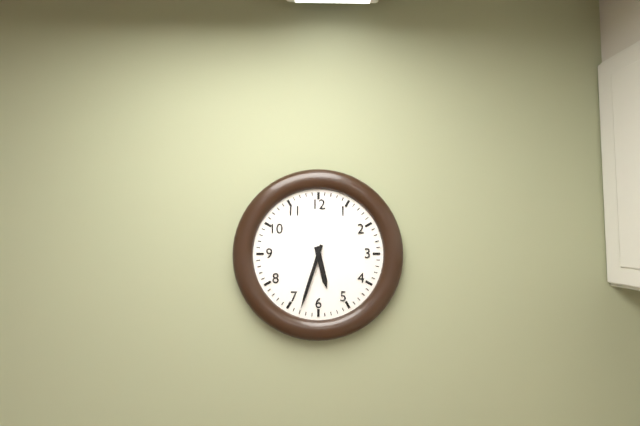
5.33
